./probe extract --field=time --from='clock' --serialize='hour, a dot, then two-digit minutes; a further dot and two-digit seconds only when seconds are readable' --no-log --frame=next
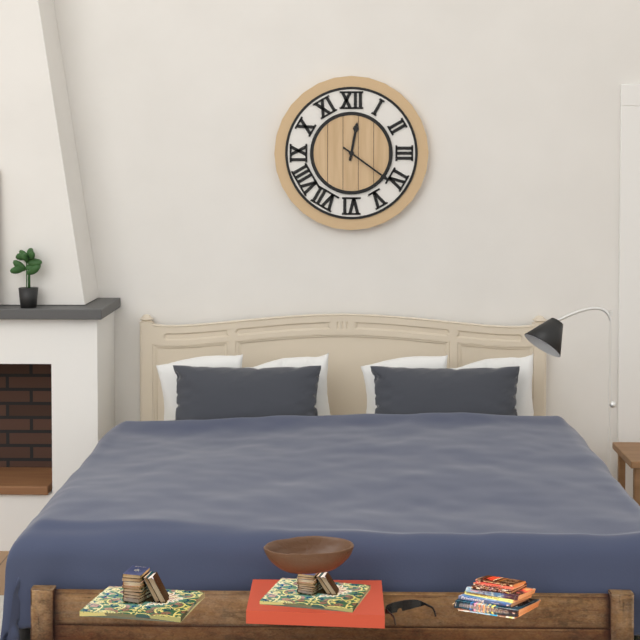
12.21
